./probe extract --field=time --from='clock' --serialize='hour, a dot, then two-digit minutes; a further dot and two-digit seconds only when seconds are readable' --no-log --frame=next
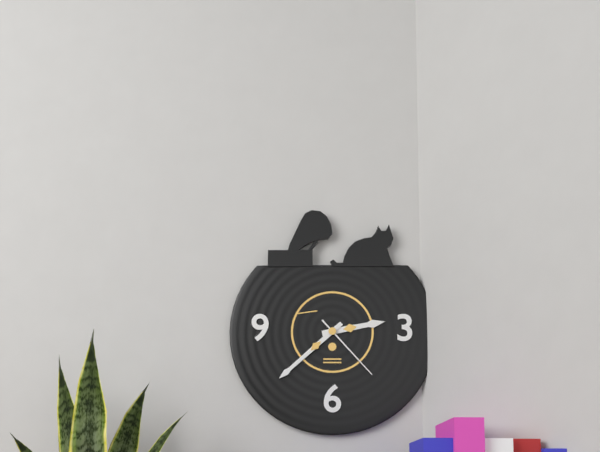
2.38.23
